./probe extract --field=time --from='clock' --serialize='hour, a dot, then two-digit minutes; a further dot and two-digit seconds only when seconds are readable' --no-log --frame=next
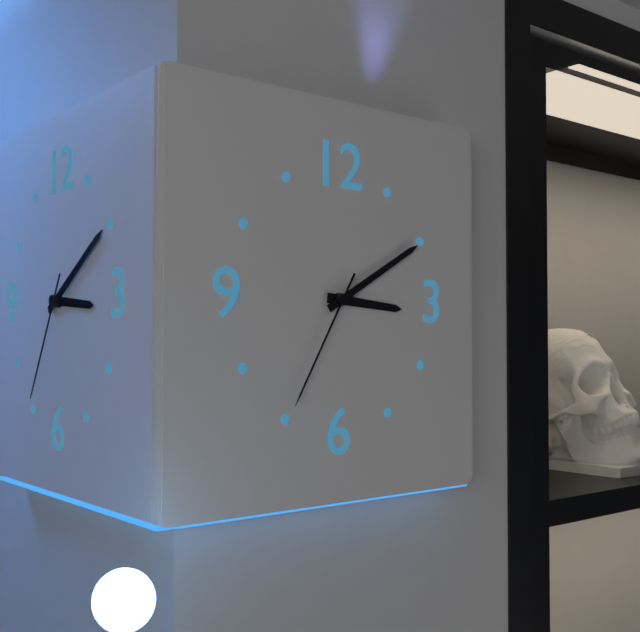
3.10.35
